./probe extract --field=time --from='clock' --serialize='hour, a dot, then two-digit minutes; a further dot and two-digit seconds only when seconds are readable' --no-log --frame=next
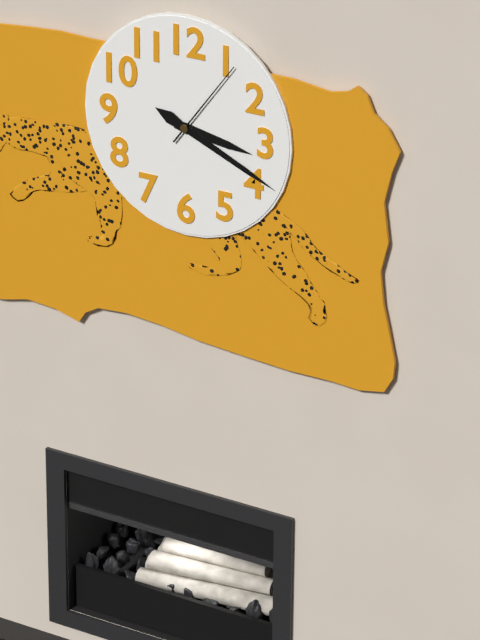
3.19.06
